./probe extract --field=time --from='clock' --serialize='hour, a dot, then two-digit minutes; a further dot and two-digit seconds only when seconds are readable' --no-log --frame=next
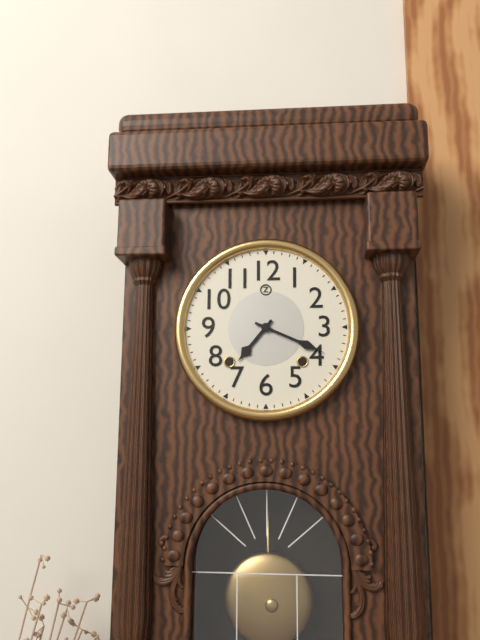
7.19
